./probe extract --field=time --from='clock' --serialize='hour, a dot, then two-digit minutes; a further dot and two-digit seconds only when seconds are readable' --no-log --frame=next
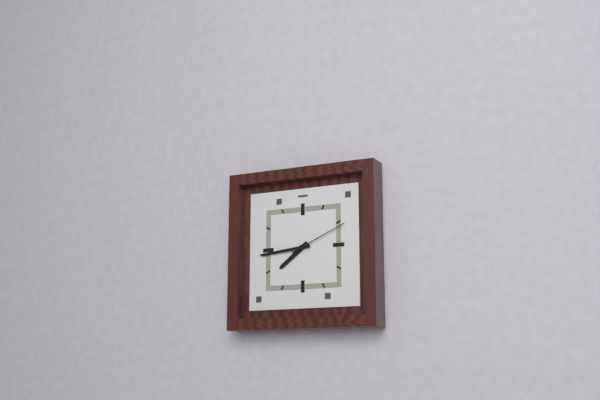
7.44.11
